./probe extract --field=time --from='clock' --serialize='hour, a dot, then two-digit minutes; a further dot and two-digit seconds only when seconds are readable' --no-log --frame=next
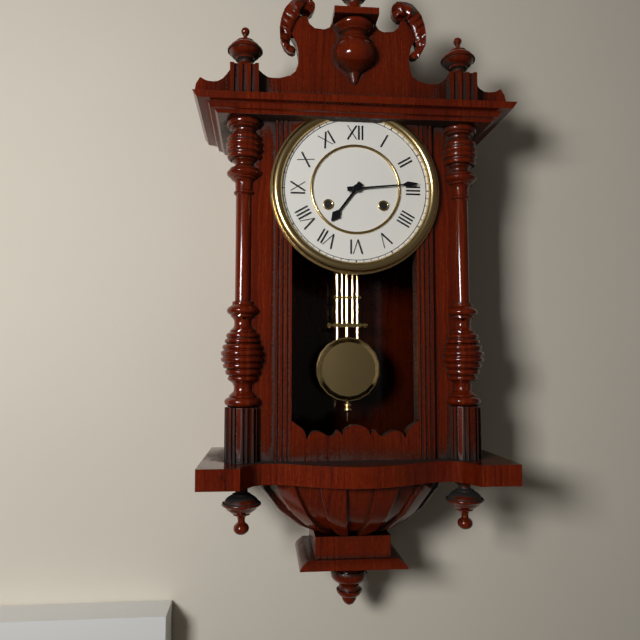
7.14
